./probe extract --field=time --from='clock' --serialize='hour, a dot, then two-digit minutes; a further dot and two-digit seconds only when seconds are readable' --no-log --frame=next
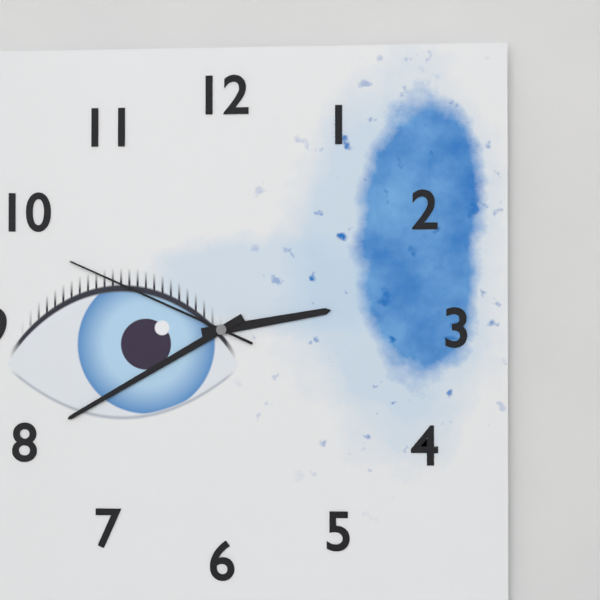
2.40.49
